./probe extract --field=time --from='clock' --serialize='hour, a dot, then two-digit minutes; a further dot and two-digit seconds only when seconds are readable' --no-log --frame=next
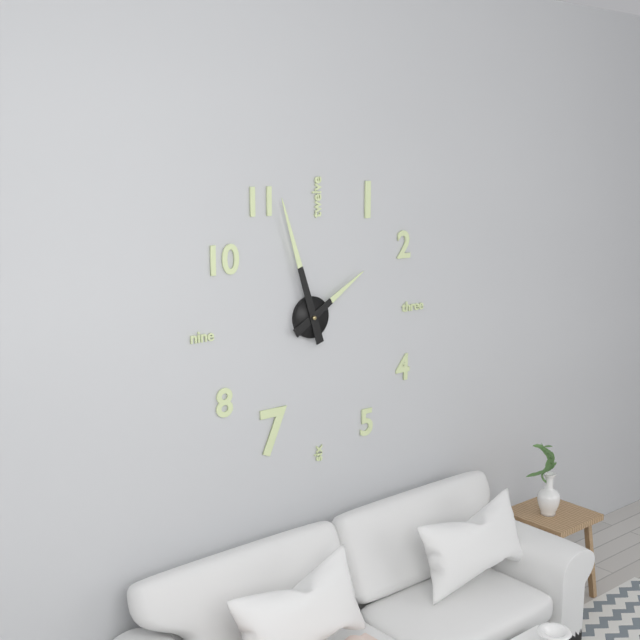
1.57
